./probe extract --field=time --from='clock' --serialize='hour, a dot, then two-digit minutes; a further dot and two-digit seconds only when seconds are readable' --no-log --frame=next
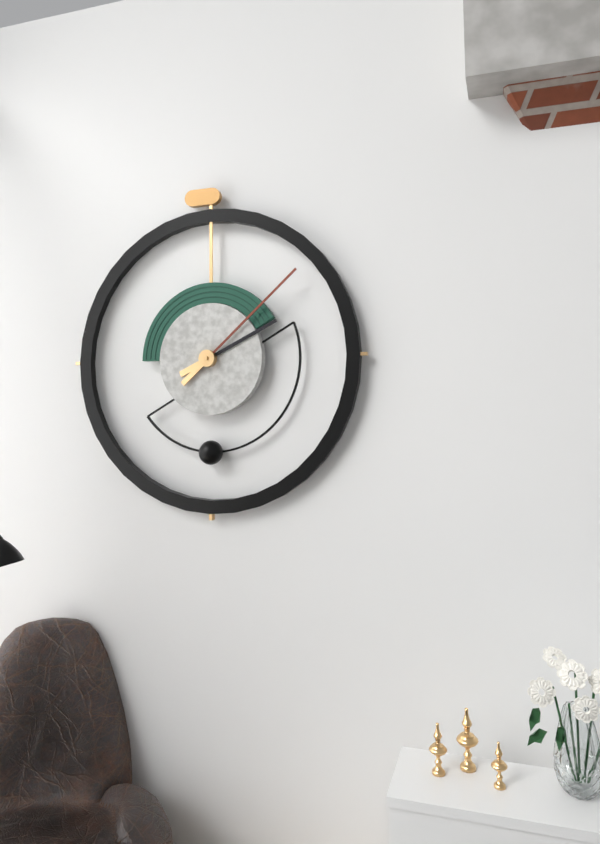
2.08
